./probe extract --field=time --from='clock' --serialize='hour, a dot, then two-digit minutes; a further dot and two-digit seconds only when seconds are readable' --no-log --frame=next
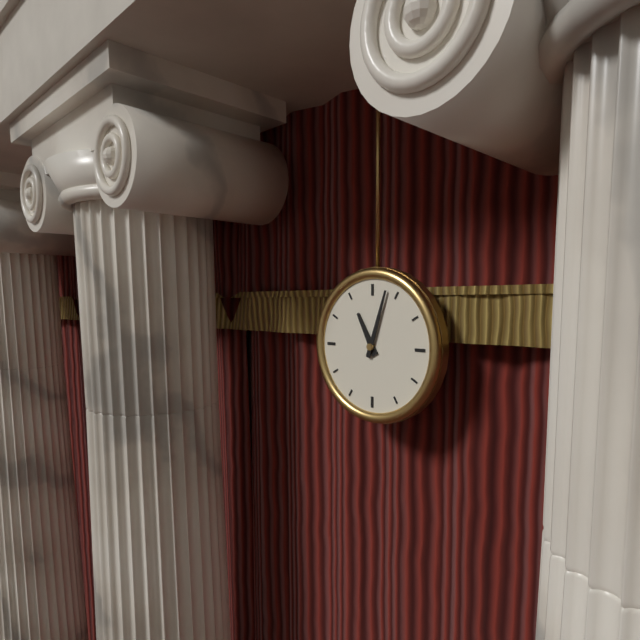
11.03
